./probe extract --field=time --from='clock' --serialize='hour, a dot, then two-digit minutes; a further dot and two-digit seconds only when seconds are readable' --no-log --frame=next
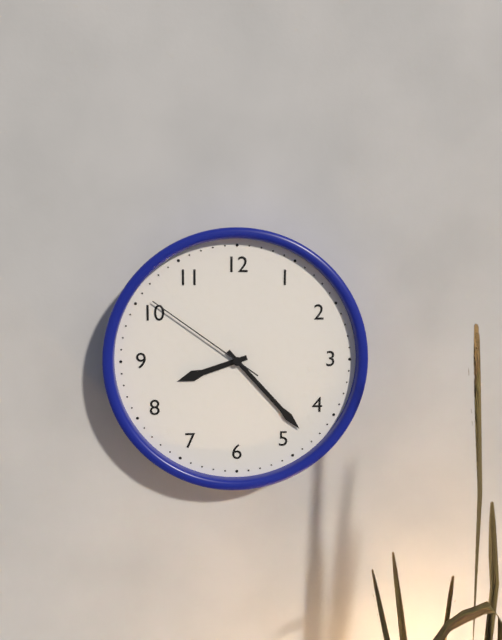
8.23.51
